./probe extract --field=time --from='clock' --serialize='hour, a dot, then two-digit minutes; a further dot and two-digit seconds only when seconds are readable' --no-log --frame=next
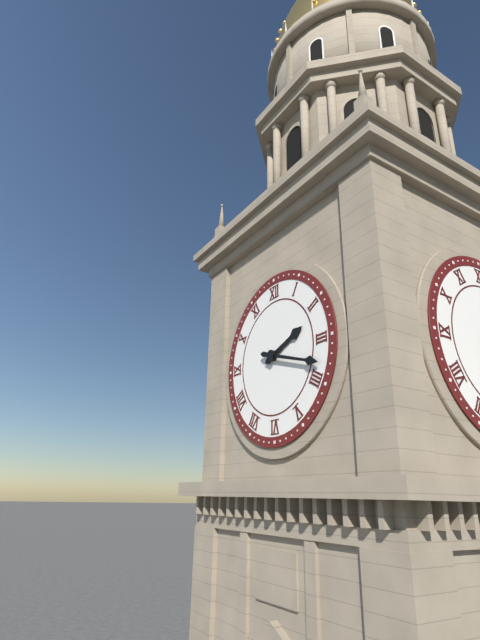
2.18
